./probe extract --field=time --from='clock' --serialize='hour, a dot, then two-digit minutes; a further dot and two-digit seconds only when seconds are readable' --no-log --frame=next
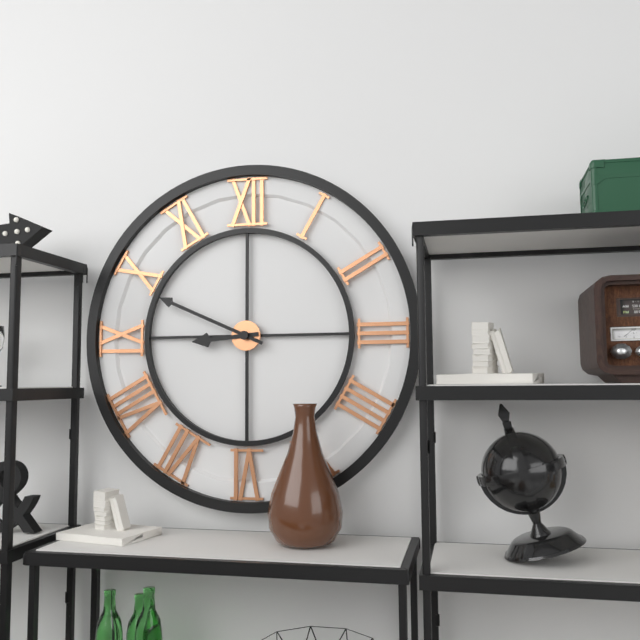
8.49
